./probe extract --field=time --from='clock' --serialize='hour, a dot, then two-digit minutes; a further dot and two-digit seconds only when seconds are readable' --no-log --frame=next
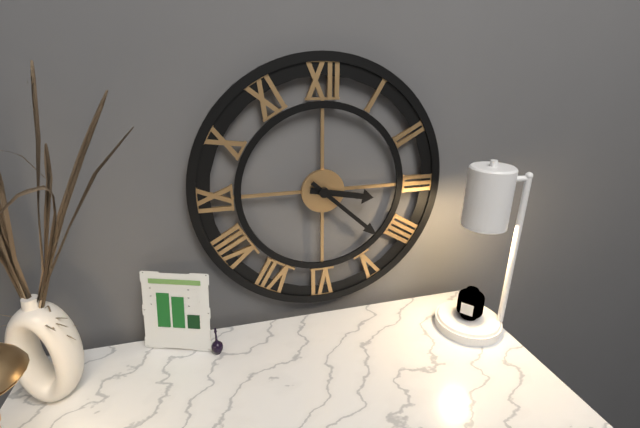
3.22
